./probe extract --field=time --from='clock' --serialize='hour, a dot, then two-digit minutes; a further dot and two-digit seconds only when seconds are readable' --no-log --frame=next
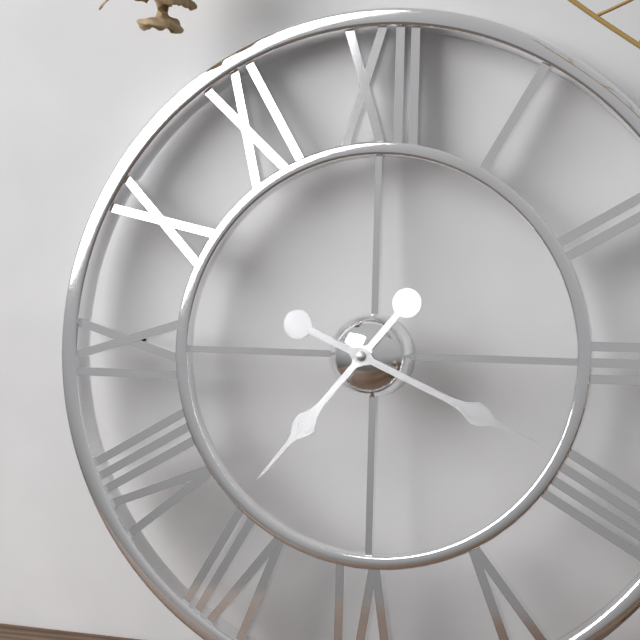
7.19
